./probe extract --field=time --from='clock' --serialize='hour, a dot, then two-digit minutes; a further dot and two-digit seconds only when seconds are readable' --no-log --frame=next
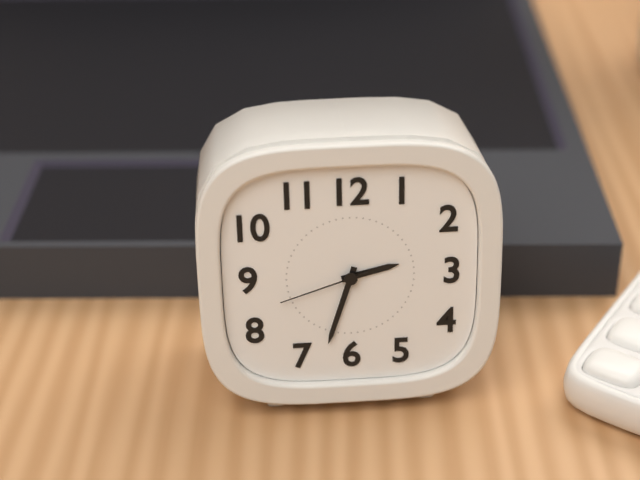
2.33.42
